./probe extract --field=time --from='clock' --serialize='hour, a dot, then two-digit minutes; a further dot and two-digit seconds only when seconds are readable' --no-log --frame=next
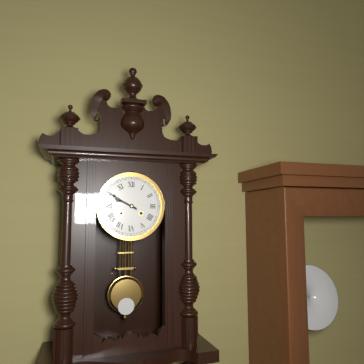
9.50
